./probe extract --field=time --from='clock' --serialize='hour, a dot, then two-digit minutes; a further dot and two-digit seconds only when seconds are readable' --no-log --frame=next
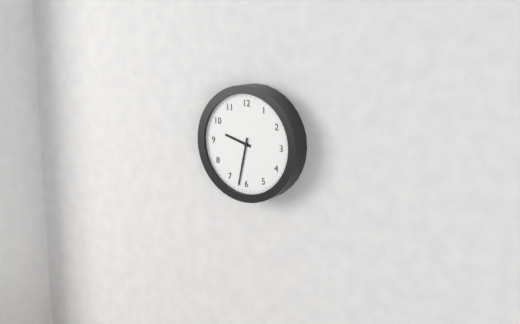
9.32
